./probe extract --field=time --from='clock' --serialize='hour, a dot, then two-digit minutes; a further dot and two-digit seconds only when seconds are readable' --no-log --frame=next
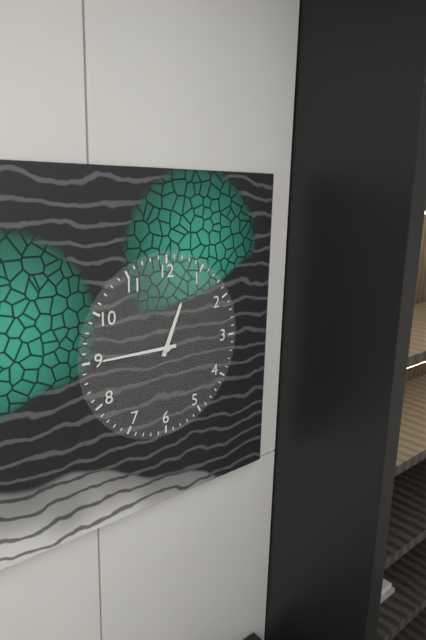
12.45
